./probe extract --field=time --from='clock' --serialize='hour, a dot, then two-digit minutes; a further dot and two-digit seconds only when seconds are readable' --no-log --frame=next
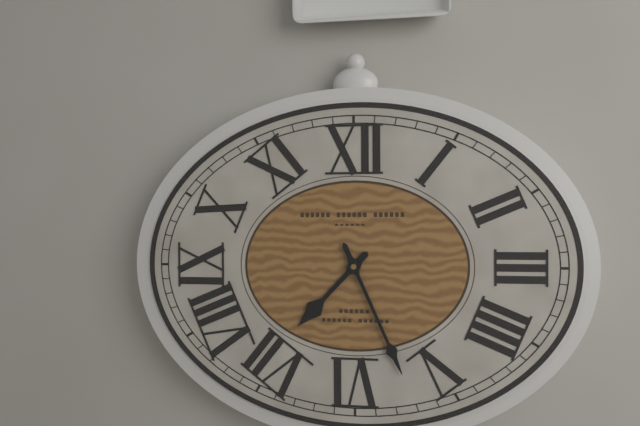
7.26
